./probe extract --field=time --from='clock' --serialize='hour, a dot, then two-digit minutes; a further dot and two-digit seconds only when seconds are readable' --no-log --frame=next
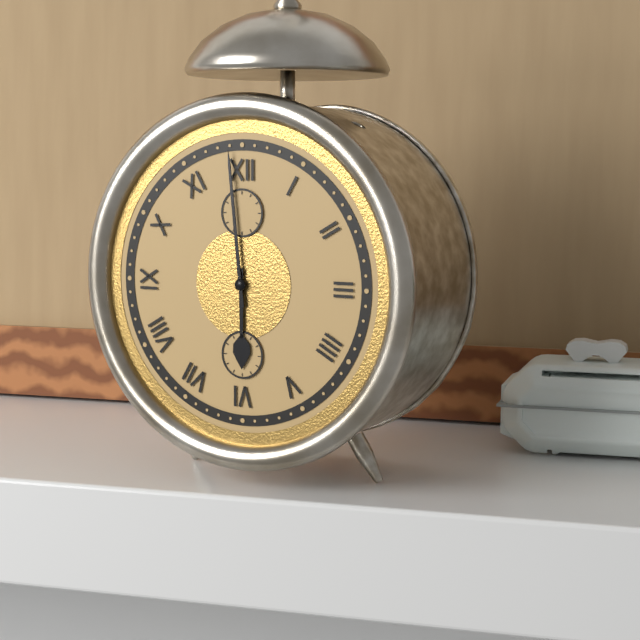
5.59
